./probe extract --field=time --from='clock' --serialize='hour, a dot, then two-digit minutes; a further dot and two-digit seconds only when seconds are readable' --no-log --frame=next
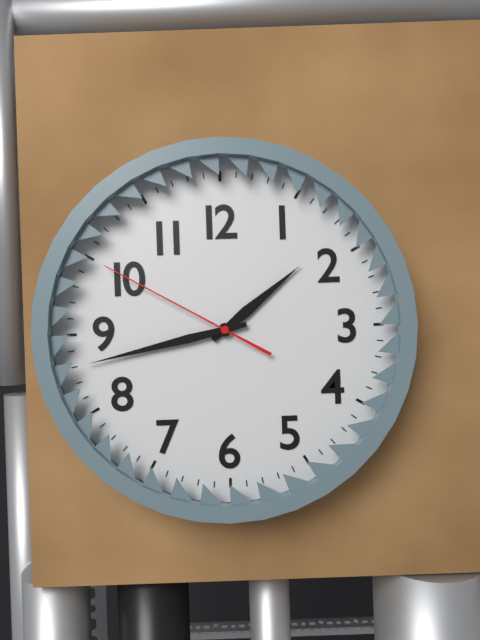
1.43.50
